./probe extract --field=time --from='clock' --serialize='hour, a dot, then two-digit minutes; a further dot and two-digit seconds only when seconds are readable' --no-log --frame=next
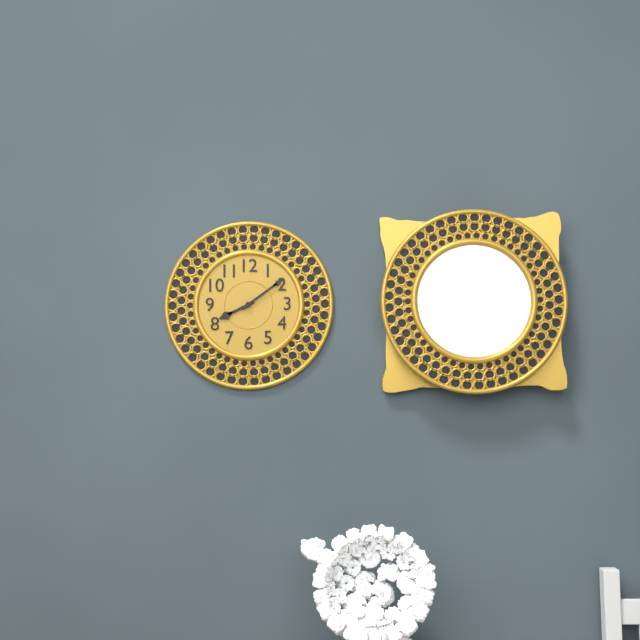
8.09
